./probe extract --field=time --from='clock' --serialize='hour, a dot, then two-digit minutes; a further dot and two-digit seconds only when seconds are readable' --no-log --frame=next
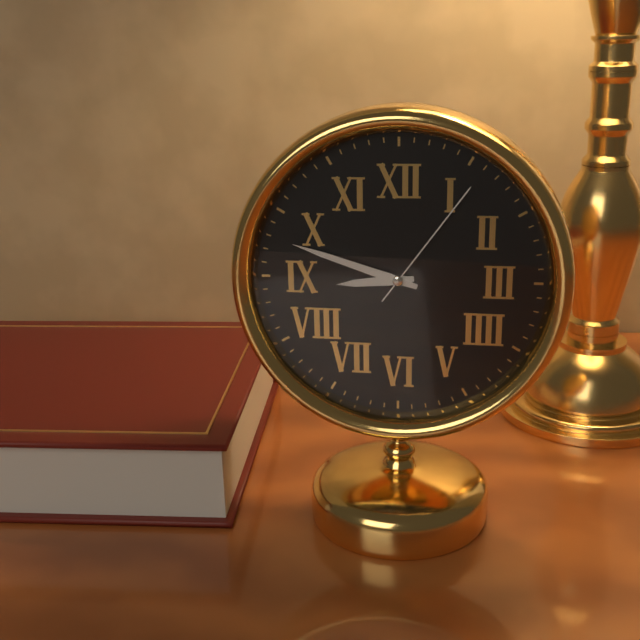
8.48.06
